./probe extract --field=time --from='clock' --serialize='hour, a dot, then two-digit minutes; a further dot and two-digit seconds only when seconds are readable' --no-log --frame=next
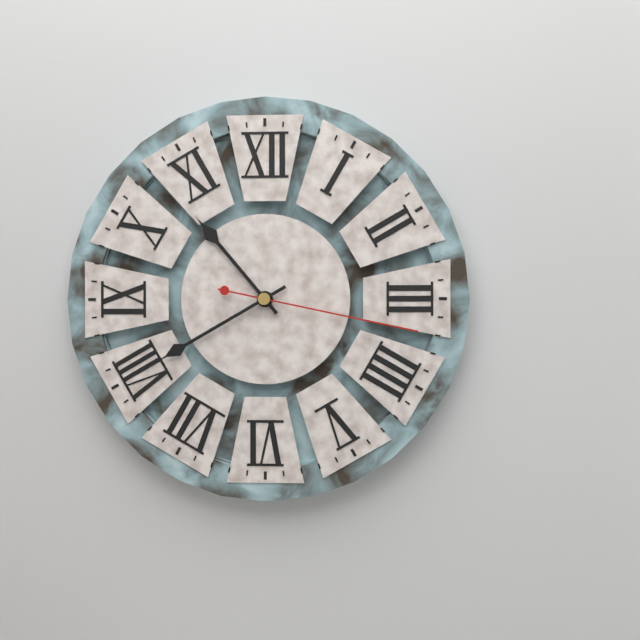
10.40.17
